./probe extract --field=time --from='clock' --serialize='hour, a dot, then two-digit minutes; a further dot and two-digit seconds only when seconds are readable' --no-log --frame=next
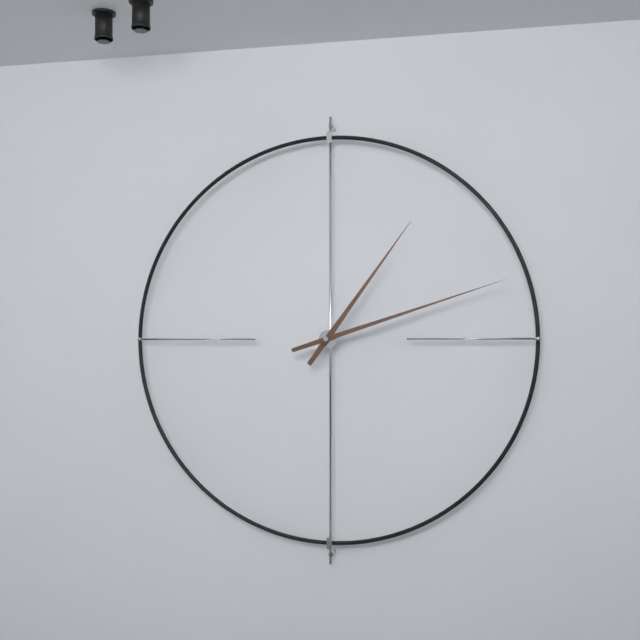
1.12
